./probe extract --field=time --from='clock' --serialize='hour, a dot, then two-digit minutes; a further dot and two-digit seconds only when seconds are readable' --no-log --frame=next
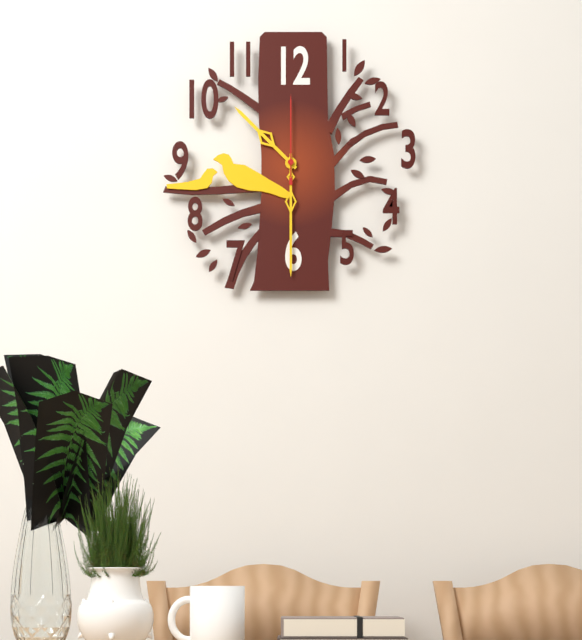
10.30.00
